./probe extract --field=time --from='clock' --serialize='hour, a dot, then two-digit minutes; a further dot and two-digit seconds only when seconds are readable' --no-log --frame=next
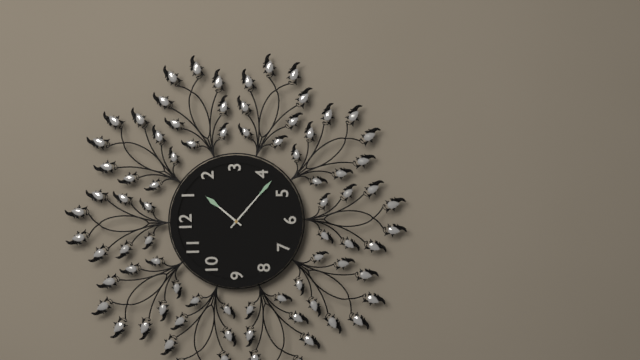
1.22
